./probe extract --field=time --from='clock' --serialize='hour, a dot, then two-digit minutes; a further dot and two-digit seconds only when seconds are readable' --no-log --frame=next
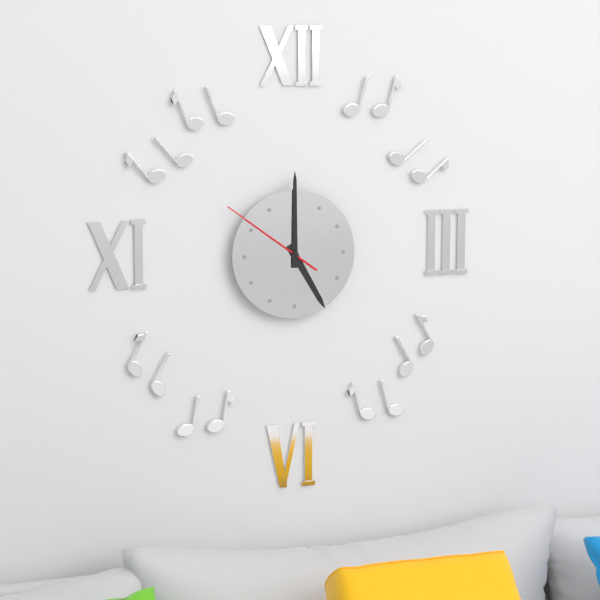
5.00.51
